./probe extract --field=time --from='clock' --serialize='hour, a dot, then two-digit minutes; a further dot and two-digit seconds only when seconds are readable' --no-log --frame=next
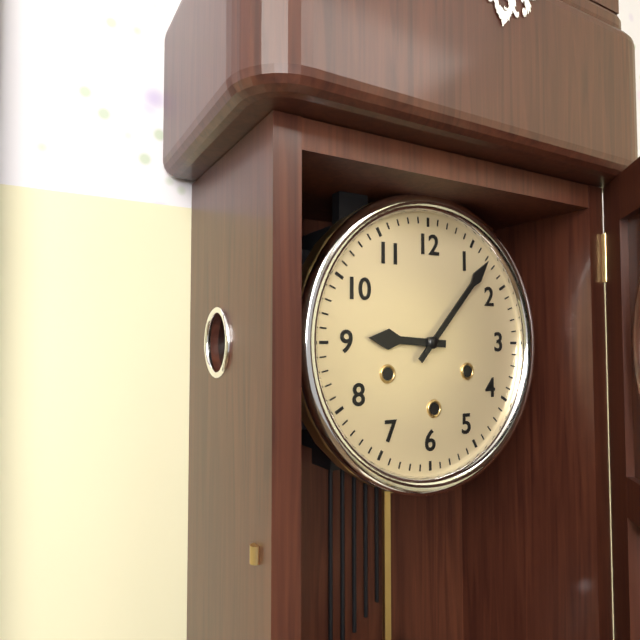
9.07
